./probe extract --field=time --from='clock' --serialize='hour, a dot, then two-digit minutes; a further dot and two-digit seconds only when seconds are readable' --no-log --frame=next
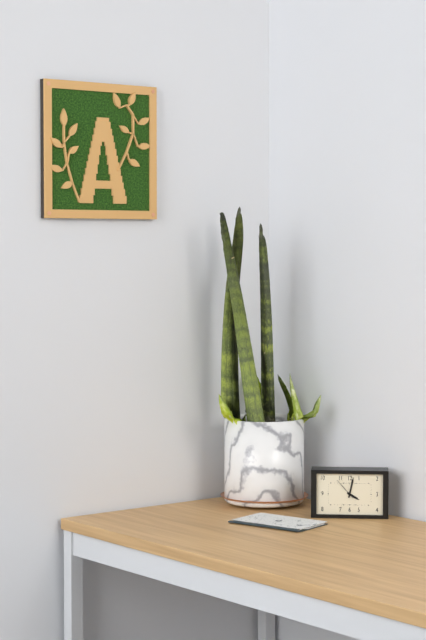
4.02
